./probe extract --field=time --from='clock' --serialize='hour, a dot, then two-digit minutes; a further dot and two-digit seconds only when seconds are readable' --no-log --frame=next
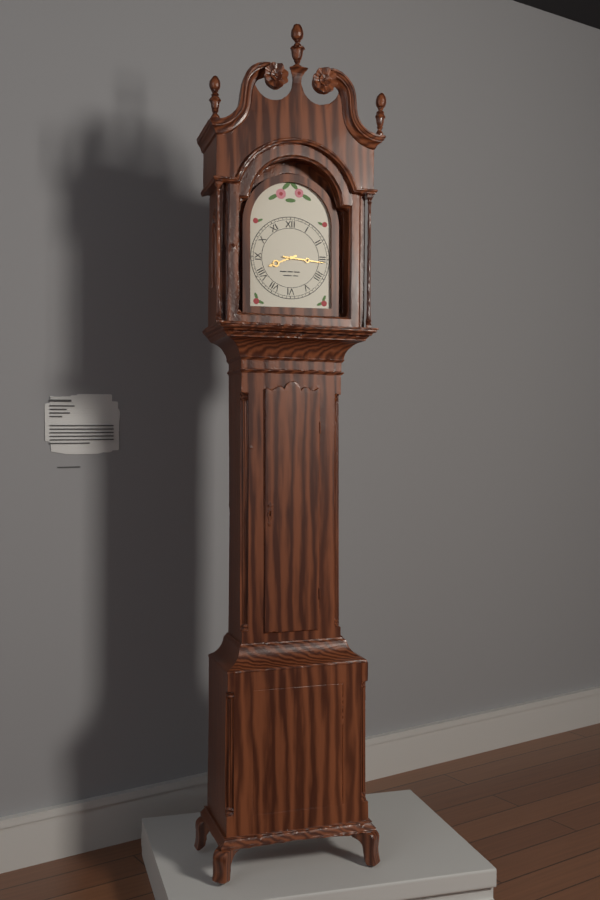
8.16
